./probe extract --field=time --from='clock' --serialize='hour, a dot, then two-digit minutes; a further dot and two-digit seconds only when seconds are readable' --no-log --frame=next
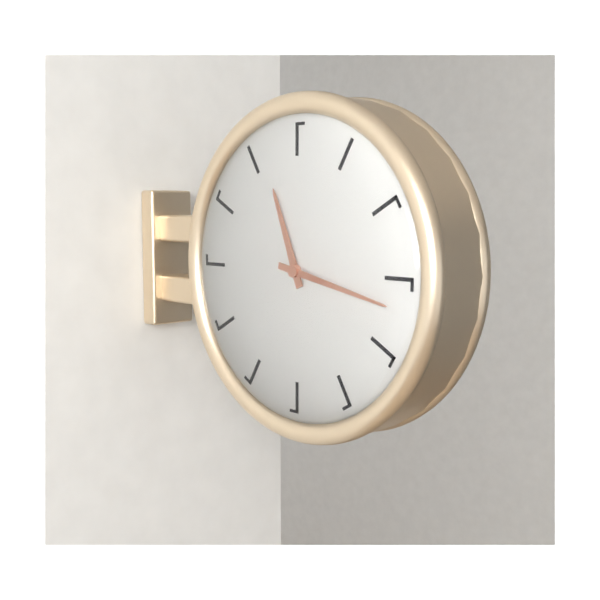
11.17
